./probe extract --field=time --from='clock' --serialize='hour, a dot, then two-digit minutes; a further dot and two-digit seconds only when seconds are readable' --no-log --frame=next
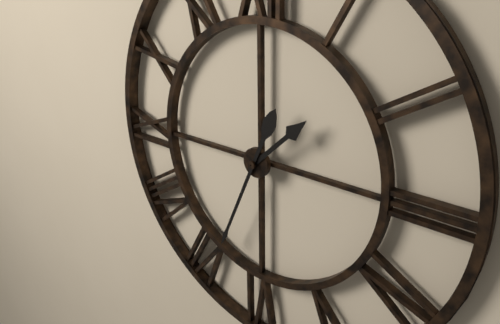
1.34
